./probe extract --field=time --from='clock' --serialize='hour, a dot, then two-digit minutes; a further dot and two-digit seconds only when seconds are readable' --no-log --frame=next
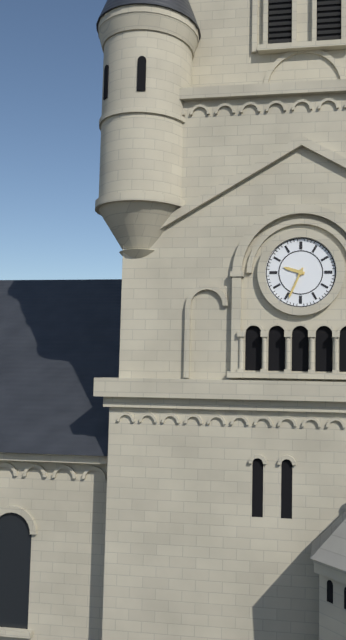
9.34
